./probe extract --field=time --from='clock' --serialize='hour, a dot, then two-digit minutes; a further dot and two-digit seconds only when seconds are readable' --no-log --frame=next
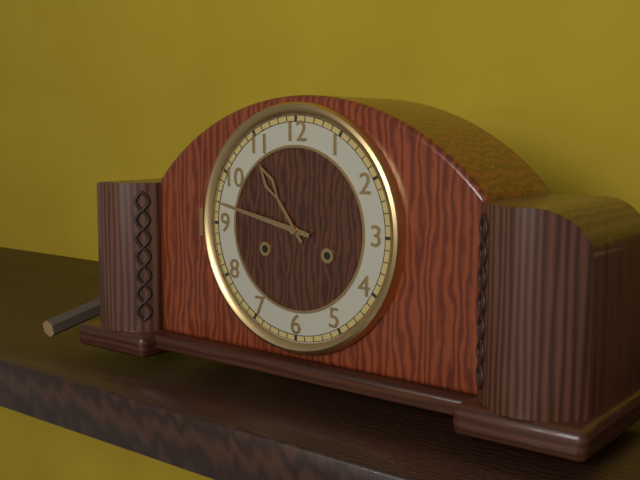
10.47
